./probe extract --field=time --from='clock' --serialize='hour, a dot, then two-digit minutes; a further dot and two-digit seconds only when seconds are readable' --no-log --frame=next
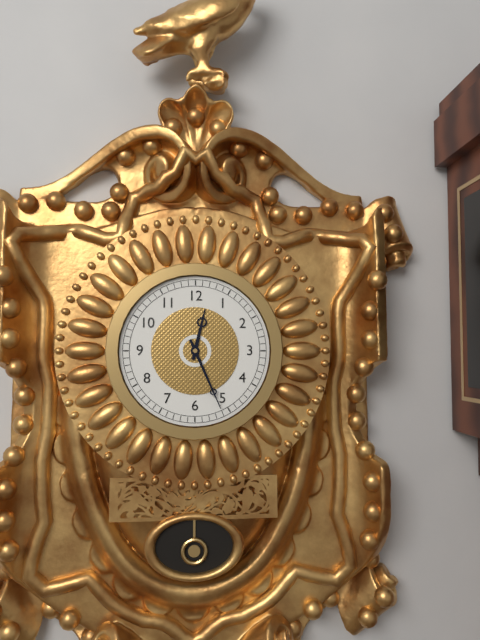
12.26
